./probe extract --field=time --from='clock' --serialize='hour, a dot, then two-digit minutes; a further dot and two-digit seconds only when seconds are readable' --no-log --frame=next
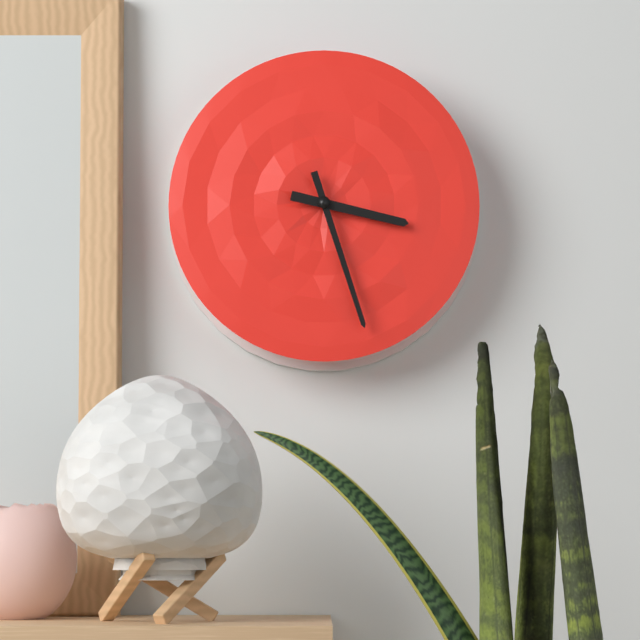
3.27
